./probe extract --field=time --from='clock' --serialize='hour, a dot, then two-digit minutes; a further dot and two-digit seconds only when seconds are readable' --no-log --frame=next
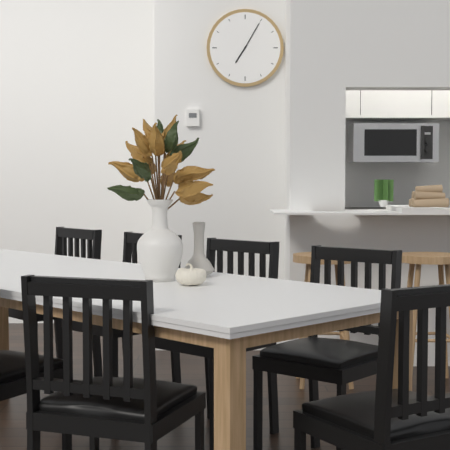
7.05
